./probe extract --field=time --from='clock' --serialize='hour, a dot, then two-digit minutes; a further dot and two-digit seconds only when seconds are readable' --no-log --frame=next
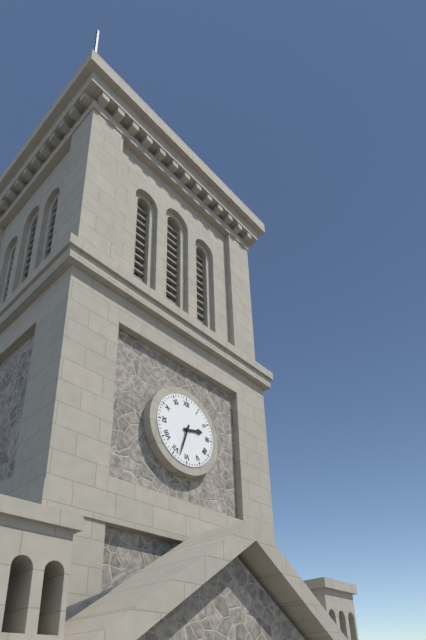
2.33
